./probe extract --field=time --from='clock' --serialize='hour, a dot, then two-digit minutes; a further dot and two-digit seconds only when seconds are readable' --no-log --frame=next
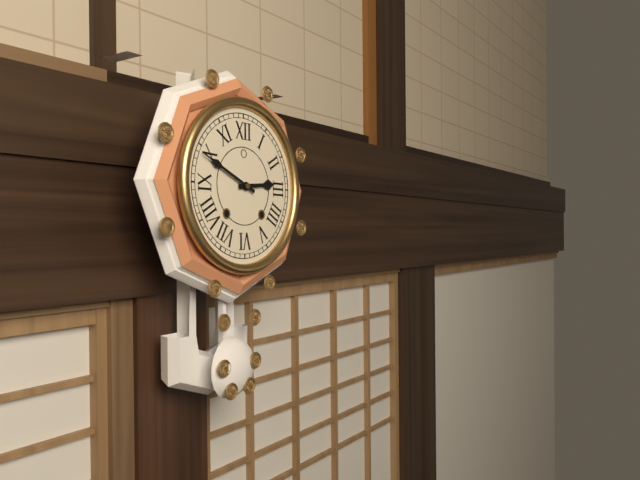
2.49
